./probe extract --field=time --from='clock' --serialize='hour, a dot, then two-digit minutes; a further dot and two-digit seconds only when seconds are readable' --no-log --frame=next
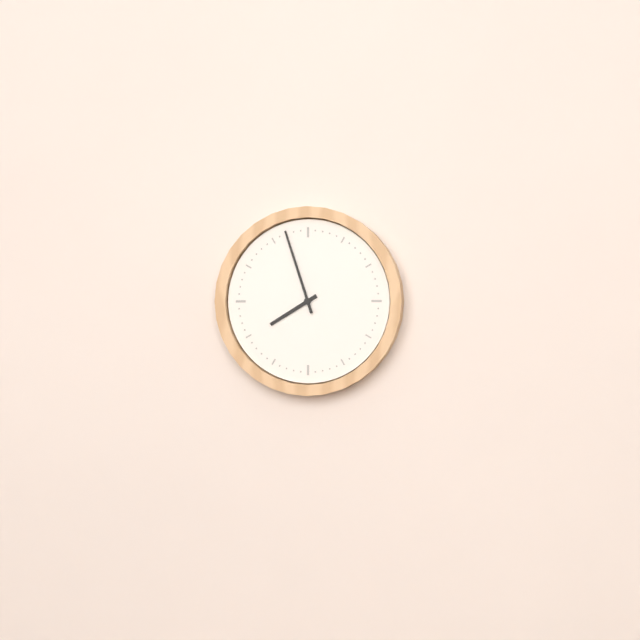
7.57
